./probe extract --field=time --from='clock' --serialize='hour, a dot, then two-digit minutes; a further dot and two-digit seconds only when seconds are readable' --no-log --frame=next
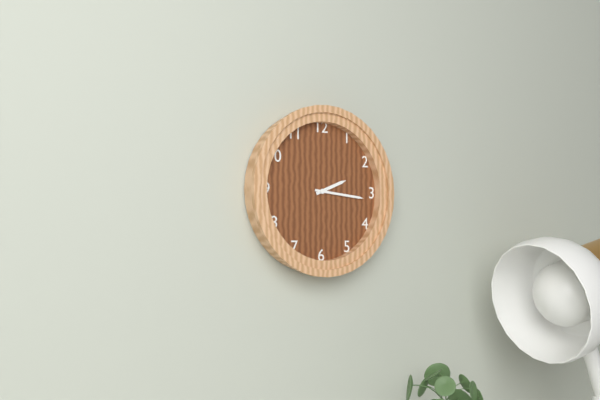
2.16
